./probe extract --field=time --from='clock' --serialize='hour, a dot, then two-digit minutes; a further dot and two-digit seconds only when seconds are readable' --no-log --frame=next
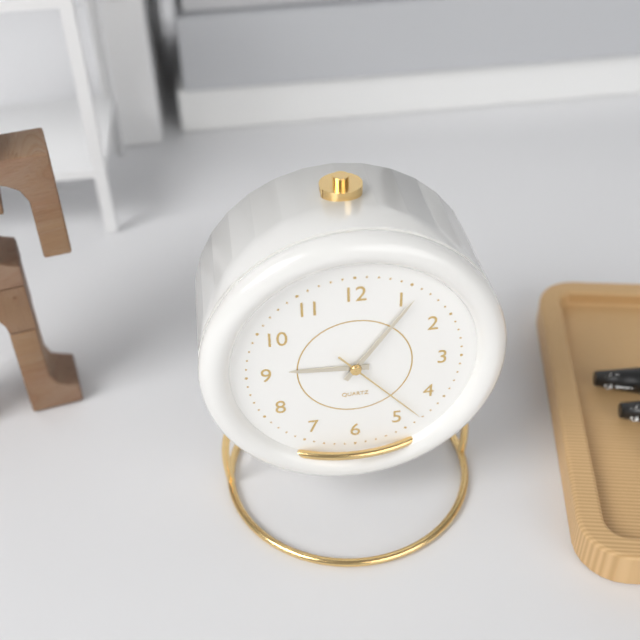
9.06.23
